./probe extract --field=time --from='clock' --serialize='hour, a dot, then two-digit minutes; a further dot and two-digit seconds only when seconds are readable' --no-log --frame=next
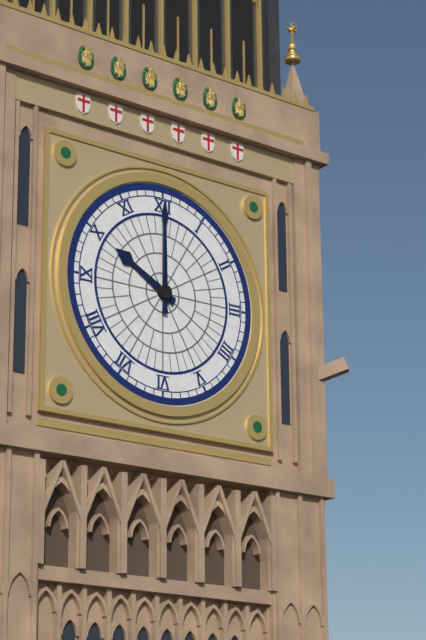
10.00
